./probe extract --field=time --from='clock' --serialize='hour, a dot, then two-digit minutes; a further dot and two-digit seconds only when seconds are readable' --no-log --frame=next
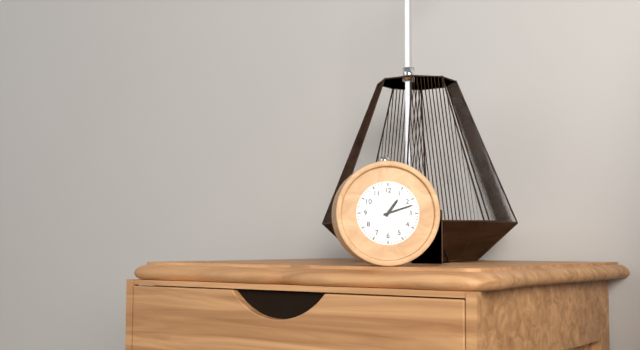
1.12
